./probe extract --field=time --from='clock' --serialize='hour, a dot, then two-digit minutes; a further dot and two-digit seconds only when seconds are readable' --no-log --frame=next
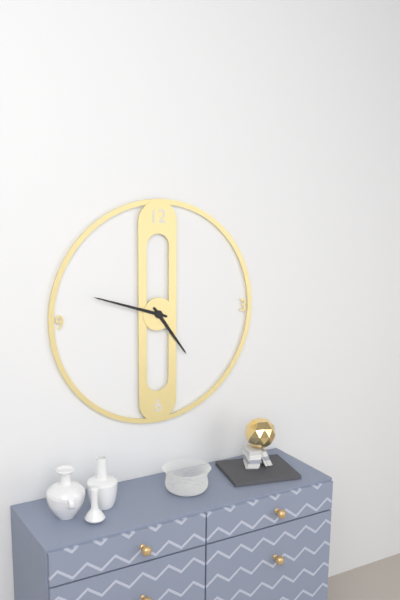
4.48
